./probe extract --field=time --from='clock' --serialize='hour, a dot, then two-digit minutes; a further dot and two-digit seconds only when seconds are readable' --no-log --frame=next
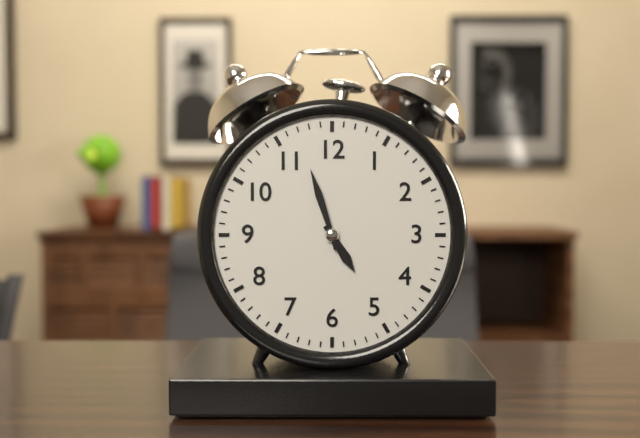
4.57
